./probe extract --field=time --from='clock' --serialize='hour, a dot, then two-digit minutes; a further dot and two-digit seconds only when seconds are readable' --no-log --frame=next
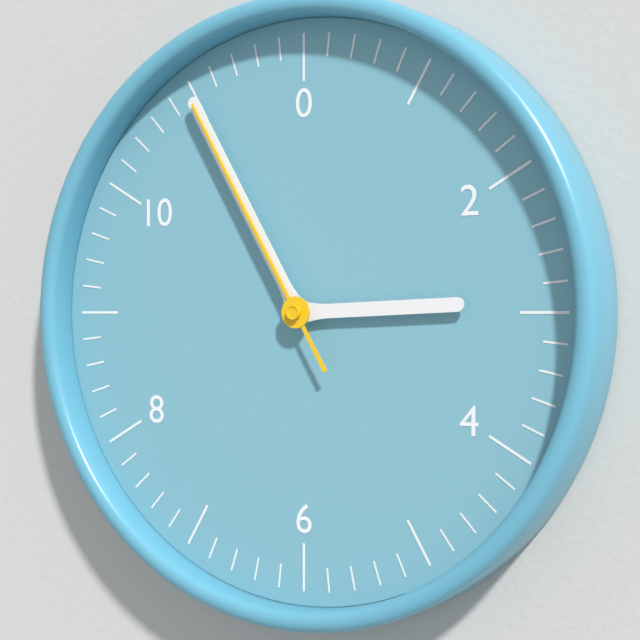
2.55.55
